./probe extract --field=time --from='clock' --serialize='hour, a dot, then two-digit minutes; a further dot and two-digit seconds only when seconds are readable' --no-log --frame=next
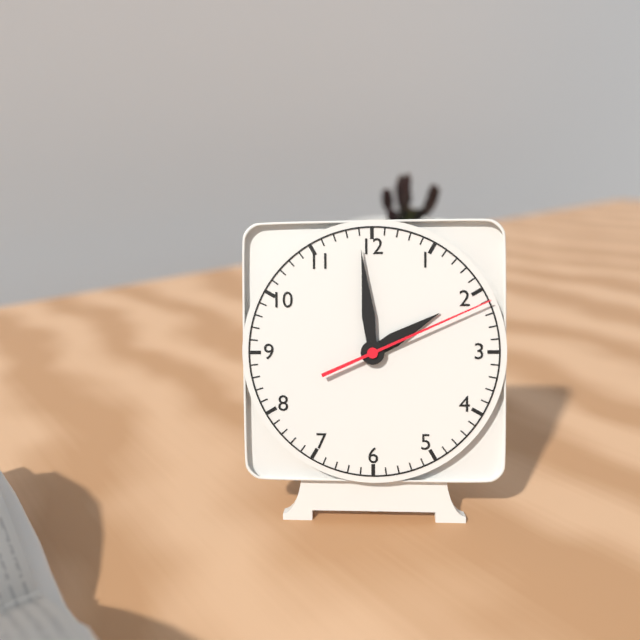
1.59.11
